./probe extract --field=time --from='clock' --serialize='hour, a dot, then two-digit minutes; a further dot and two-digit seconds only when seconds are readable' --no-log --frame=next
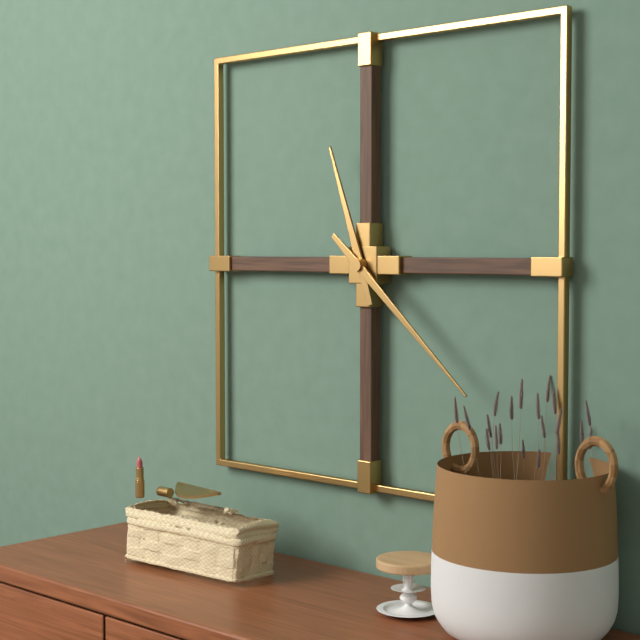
11.22
